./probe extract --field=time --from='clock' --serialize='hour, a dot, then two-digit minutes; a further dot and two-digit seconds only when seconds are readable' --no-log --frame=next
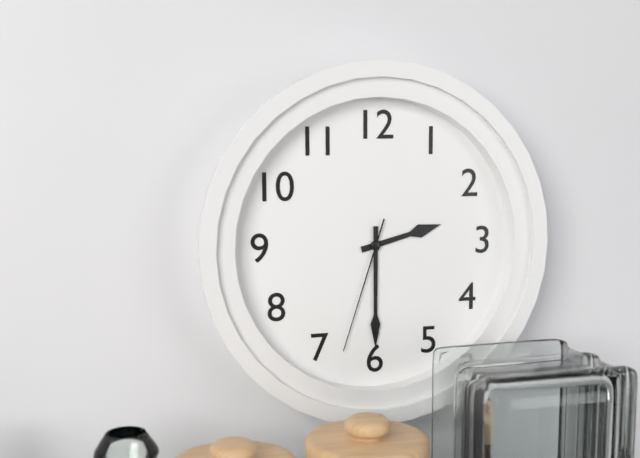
2.30.33
